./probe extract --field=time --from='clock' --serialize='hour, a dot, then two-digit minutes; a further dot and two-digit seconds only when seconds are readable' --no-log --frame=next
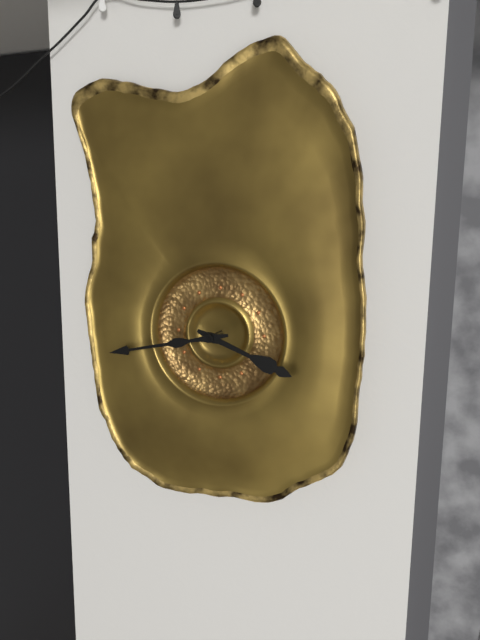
3.43
